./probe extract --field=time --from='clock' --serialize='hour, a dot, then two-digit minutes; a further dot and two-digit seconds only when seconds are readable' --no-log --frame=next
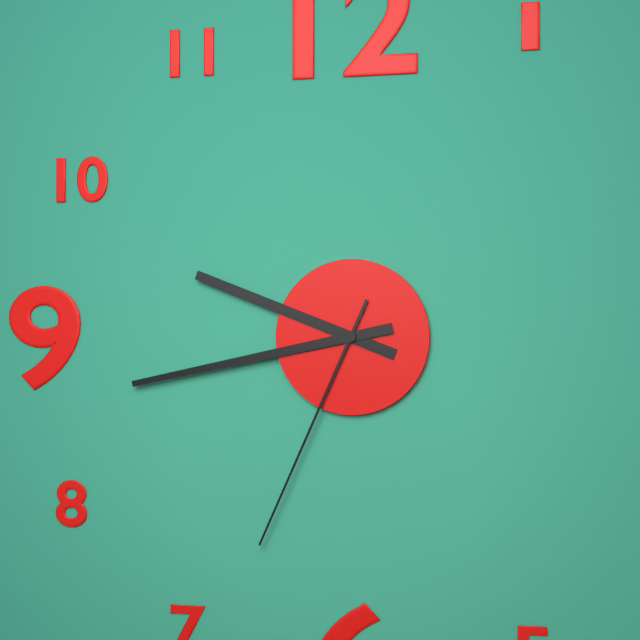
9.43.34
